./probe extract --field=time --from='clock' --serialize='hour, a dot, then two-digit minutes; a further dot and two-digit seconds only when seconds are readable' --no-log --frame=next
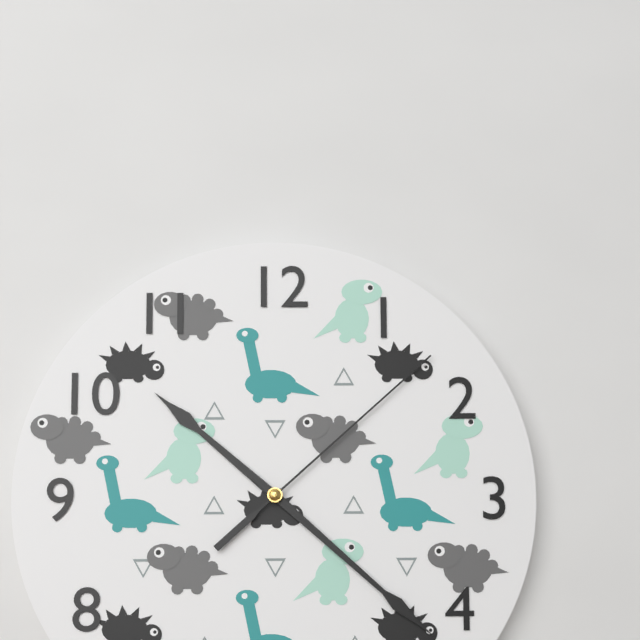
10.22.08
